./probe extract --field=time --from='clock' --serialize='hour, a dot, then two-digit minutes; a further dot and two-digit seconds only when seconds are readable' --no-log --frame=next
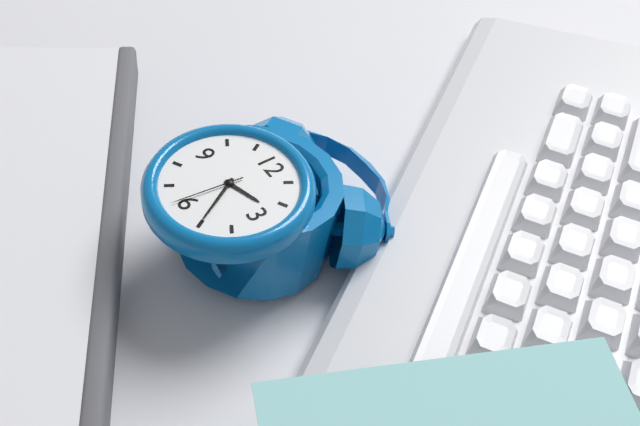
2.25.31
